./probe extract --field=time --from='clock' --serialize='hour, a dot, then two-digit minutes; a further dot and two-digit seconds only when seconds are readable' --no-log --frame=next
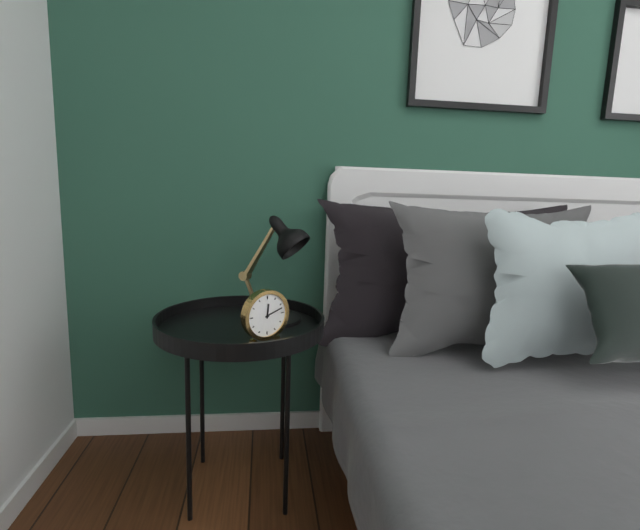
12.12
